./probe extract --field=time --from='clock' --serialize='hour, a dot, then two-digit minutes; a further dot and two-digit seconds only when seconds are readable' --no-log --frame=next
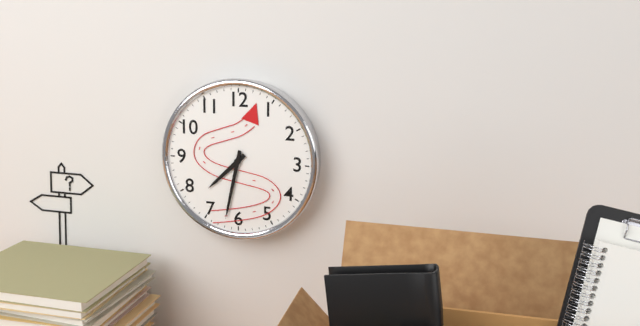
7.32
